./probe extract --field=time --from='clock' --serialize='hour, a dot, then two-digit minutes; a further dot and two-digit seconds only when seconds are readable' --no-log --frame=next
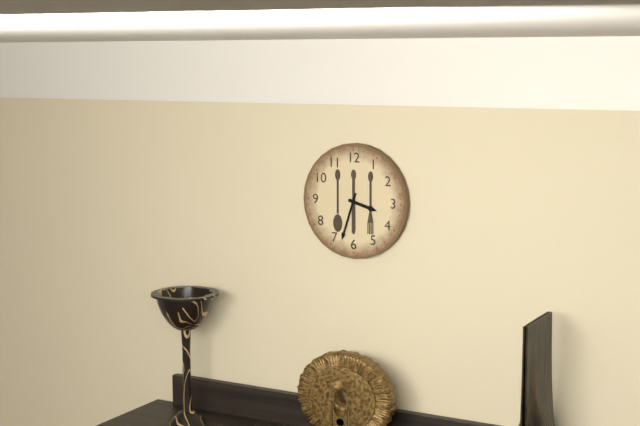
3.33
